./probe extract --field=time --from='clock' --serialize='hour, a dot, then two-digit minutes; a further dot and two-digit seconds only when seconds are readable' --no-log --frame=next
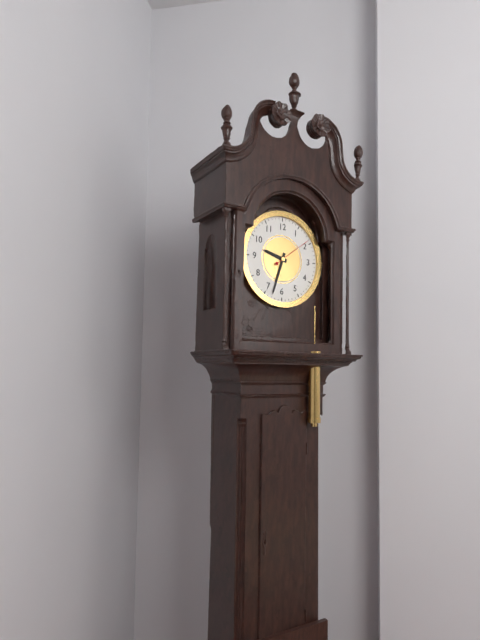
9.33
